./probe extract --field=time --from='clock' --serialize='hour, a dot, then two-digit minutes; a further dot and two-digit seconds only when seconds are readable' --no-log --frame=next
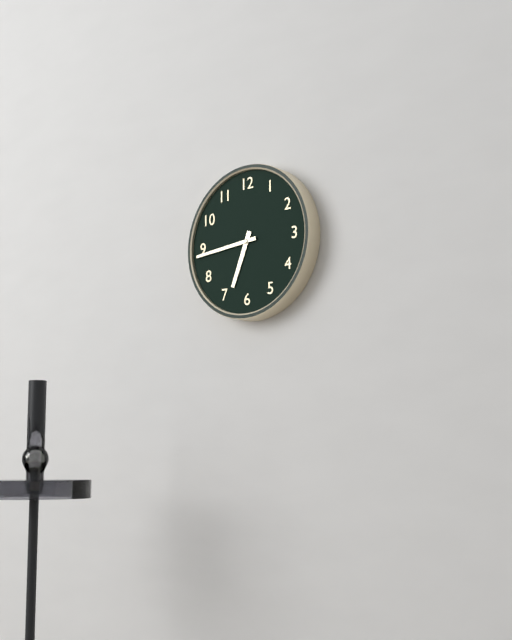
6.44
